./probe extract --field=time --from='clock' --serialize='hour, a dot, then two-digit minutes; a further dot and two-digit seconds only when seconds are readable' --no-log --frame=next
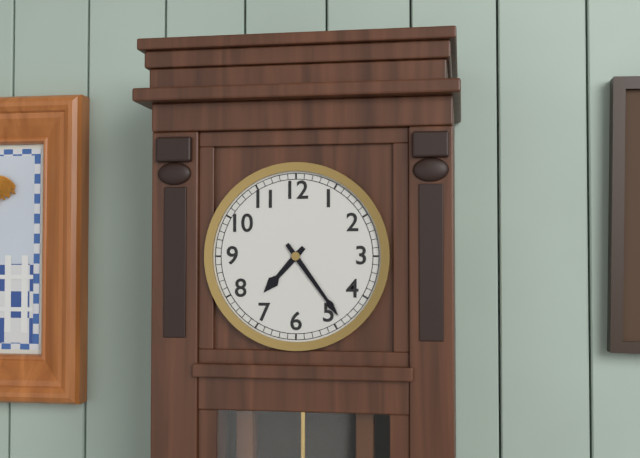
7.24
